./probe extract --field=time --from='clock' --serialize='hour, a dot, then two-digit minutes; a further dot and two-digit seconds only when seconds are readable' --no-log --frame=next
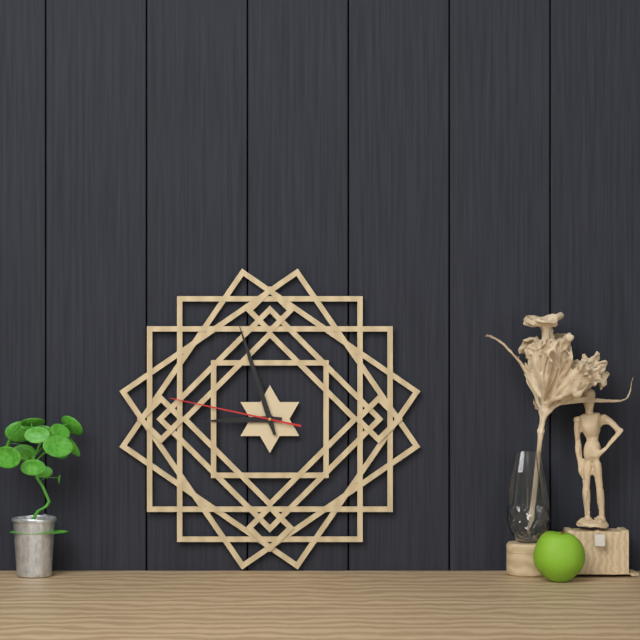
8.57.47
